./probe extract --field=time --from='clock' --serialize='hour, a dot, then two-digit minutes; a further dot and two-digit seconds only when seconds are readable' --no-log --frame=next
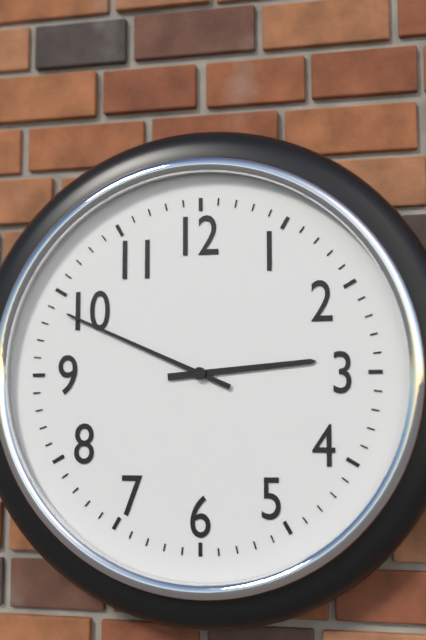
2.49
